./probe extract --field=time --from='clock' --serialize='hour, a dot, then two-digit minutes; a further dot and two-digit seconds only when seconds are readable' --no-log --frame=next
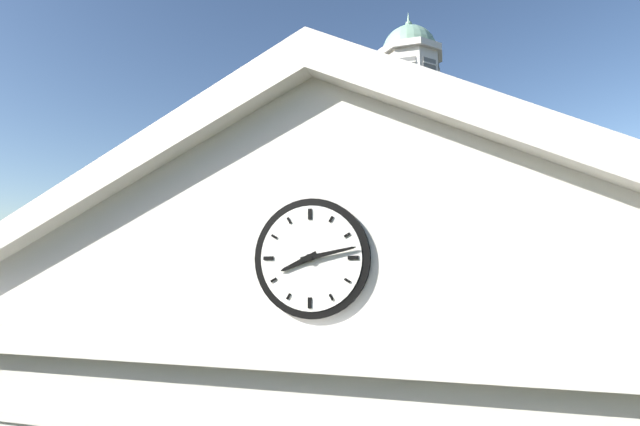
8.13
